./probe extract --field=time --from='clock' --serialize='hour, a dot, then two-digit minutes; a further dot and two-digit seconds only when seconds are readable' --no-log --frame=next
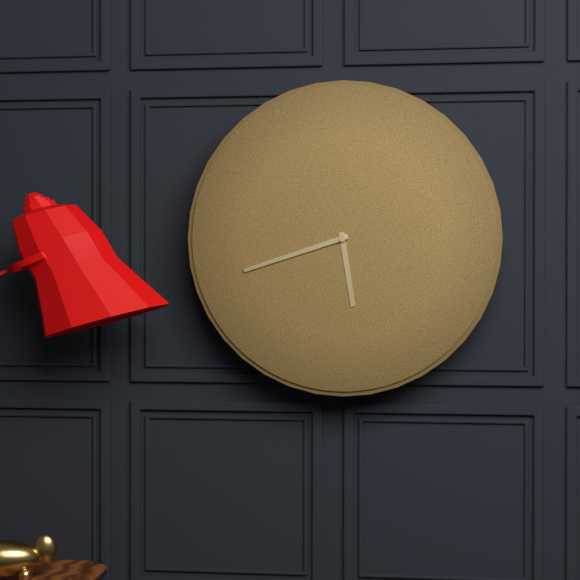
5.42
